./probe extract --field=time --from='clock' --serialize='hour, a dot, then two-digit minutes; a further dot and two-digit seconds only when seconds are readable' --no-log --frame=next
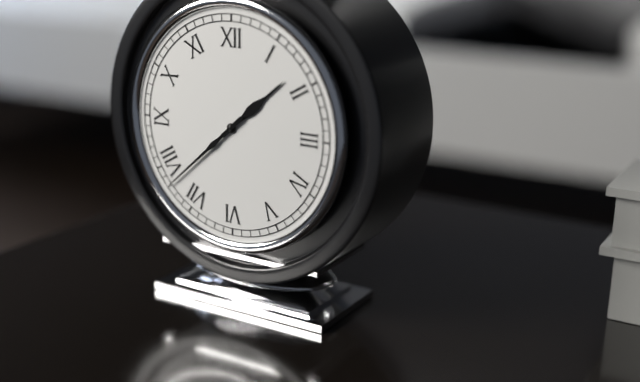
1.38
